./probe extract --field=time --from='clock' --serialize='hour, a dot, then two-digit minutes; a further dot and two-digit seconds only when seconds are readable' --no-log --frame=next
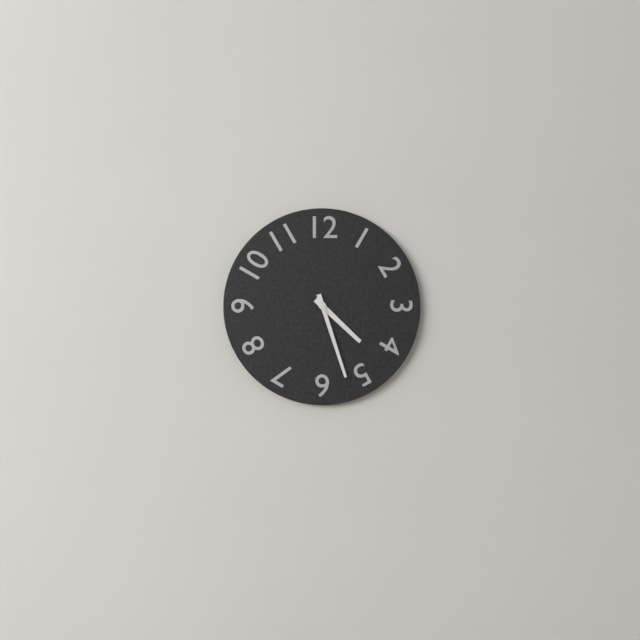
4.27
